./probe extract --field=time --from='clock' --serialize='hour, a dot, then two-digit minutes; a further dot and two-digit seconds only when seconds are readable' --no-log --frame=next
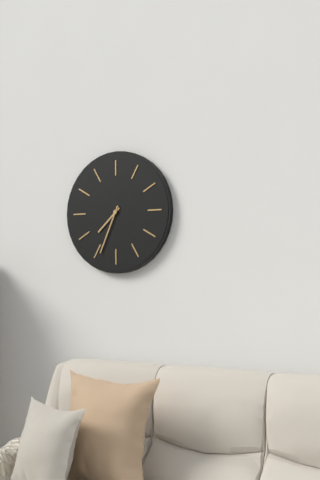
7.34
